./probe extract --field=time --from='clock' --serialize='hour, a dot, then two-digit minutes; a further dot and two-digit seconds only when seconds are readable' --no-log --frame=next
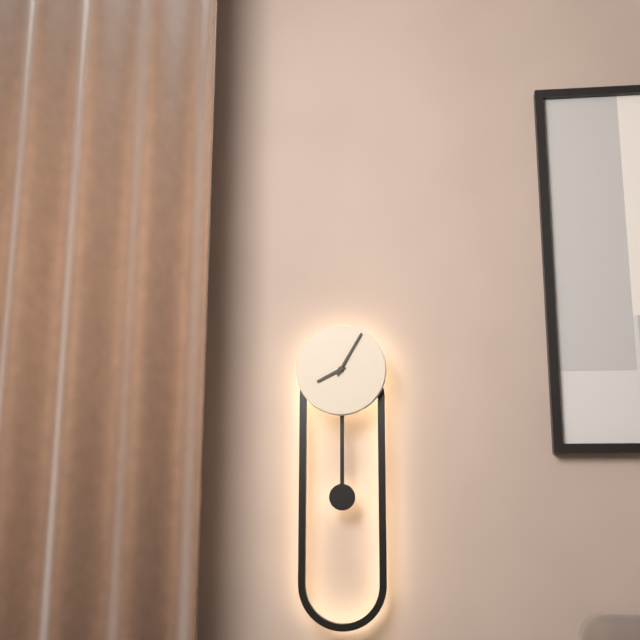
8.05
